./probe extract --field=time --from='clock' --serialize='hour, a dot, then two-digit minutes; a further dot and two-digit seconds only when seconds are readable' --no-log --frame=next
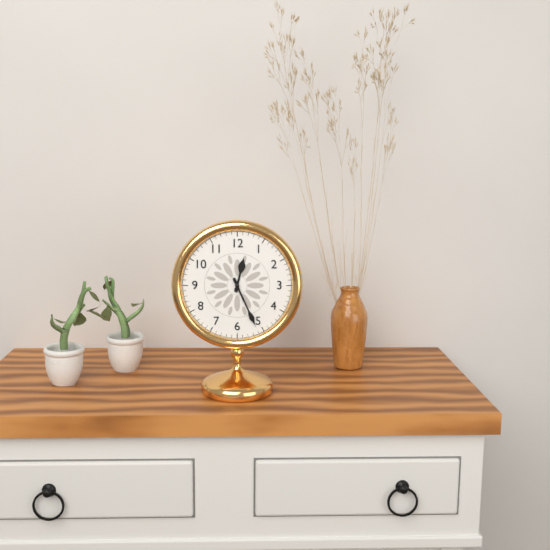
12.26
